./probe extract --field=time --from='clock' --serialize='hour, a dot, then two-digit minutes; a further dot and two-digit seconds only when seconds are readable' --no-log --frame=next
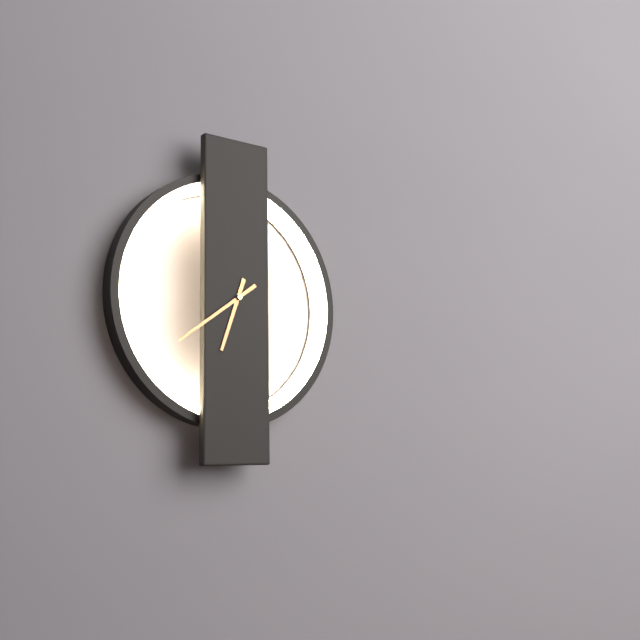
6.39
